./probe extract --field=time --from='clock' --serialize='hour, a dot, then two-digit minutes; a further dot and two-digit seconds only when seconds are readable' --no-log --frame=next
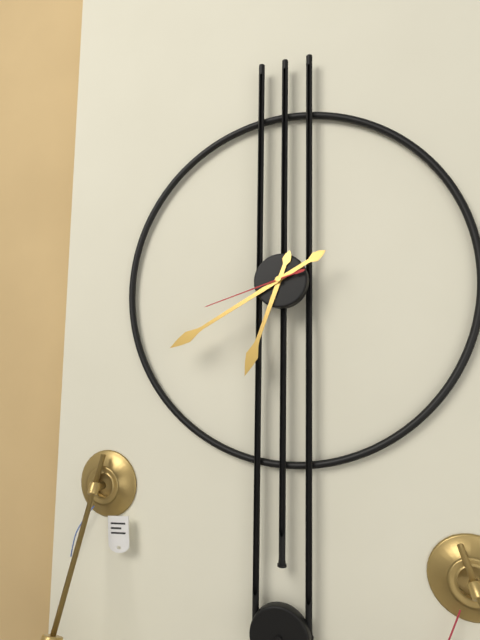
6.40.42
